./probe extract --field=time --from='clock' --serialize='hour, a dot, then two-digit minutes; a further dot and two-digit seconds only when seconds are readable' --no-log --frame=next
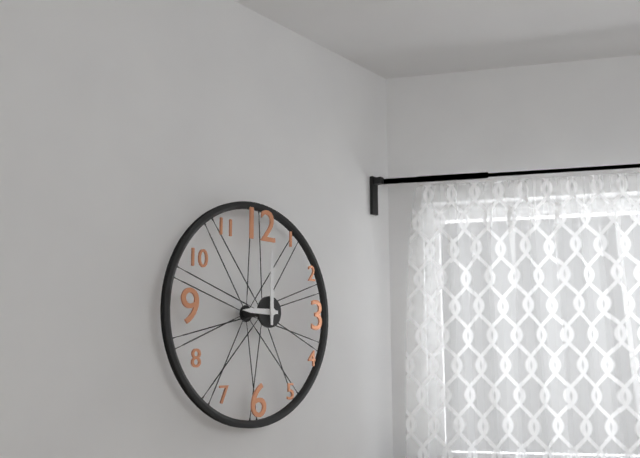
9.00
